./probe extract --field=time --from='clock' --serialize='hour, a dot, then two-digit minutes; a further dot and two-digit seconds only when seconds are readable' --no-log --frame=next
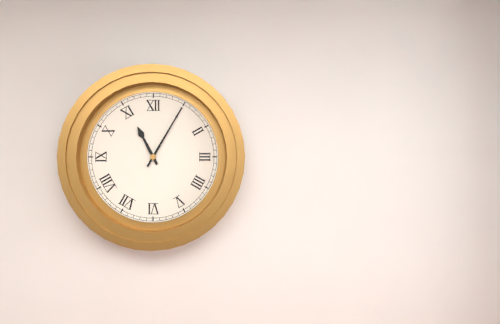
11.05
